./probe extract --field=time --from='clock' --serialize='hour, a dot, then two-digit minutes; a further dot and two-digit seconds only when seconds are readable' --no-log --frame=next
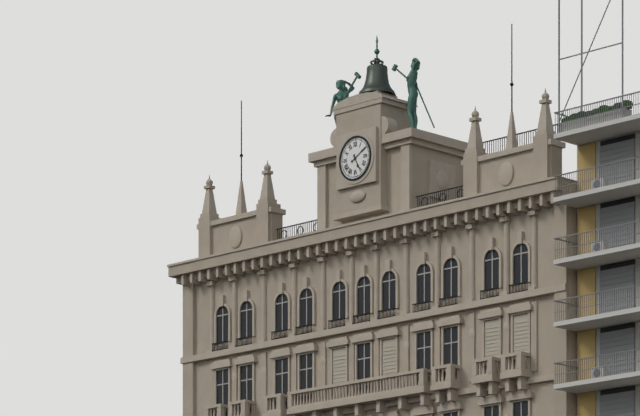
5.10
